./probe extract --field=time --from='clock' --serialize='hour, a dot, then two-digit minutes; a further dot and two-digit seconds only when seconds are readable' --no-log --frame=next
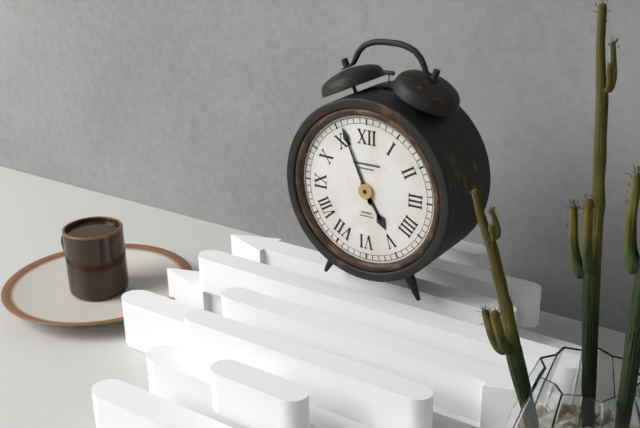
4.56
